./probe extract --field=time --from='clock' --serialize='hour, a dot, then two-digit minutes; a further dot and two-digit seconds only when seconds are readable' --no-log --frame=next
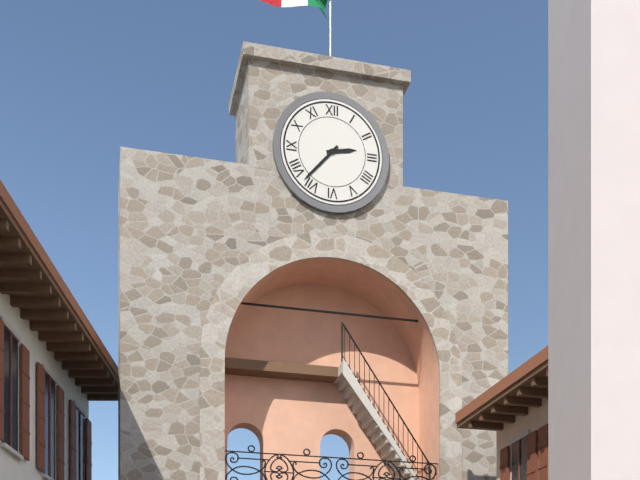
2.37
